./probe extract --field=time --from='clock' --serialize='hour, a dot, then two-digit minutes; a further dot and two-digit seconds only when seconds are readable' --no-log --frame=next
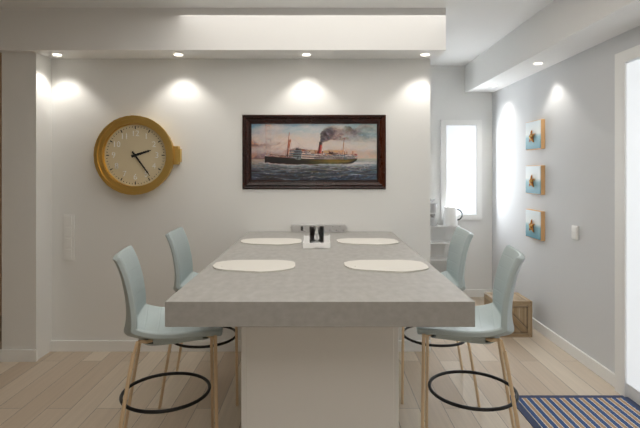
2.24
